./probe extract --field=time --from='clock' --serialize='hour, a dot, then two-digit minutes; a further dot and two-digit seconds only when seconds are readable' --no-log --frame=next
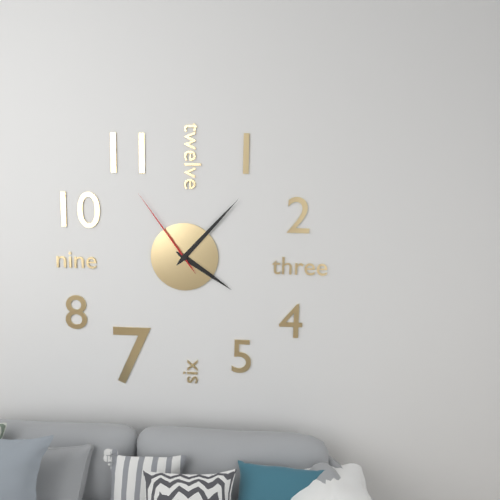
4.07.54
